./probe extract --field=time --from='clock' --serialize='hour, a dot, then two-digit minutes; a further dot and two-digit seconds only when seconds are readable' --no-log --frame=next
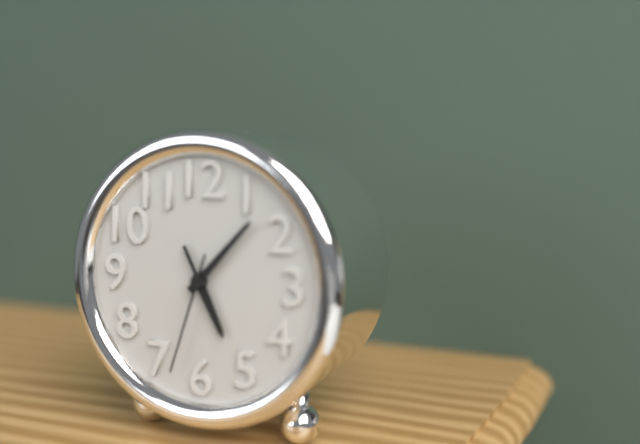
5.07.33
